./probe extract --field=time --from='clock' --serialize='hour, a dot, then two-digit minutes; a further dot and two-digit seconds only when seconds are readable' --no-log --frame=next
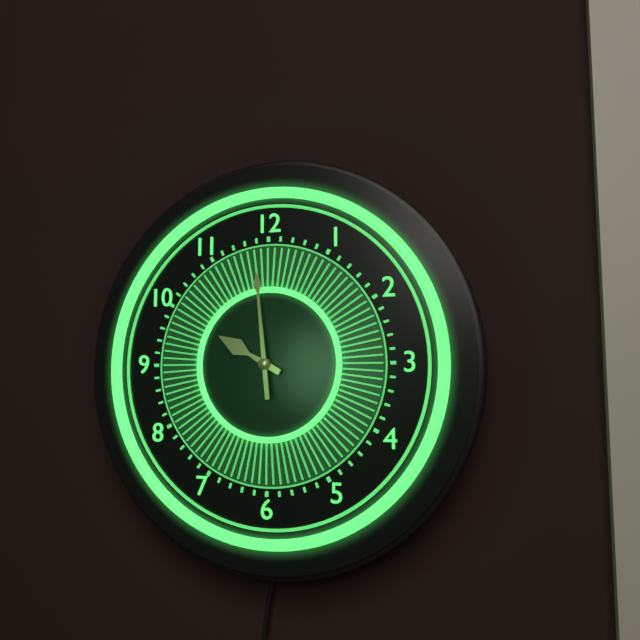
9.59
